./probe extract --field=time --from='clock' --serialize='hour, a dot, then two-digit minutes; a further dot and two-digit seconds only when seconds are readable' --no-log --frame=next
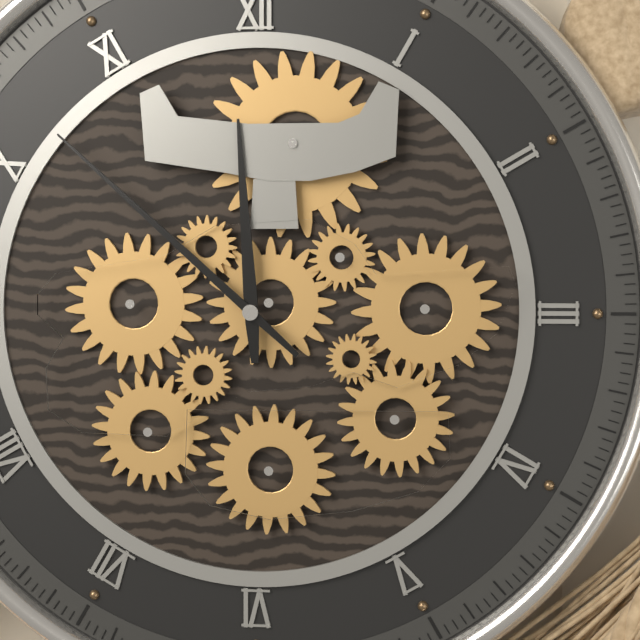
11.52
